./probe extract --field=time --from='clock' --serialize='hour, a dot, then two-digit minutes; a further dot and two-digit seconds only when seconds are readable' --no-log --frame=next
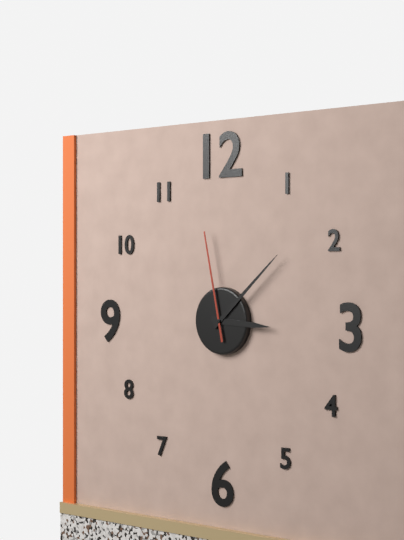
3.08.58
